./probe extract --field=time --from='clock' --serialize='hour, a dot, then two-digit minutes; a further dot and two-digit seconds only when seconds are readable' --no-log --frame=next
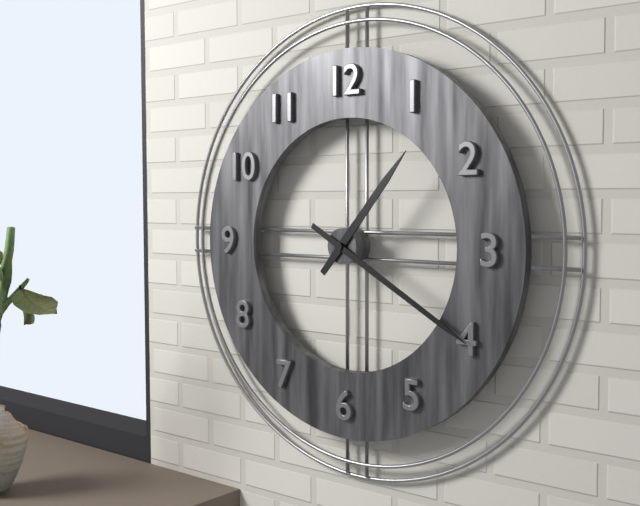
1.20
